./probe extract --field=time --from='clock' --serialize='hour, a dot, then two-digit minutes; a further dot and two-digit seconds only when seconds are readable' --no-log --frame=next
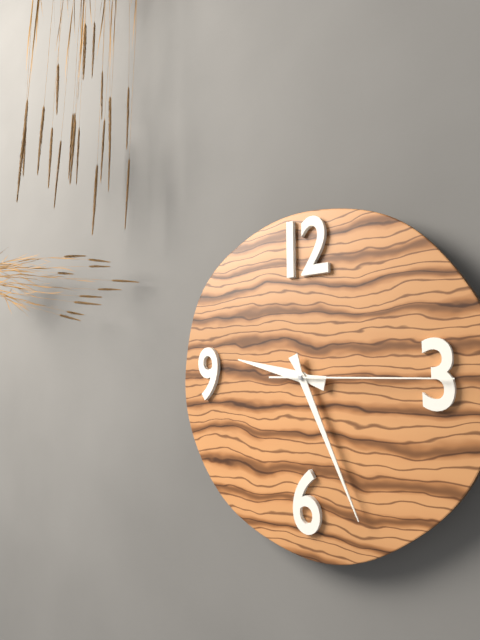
9.26.15
